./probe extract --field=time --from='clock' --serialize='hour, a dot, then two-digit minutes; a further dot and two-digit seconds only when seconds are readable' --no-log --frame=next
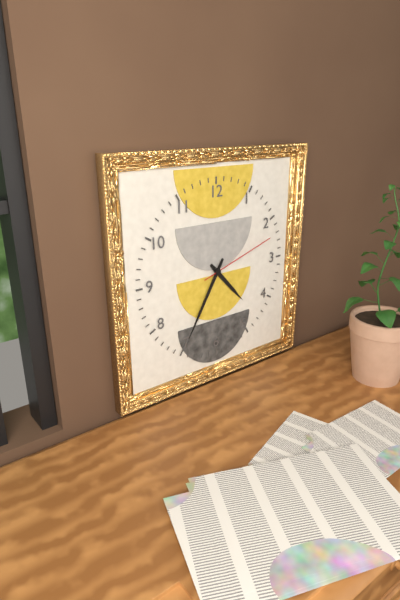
4.35.12
